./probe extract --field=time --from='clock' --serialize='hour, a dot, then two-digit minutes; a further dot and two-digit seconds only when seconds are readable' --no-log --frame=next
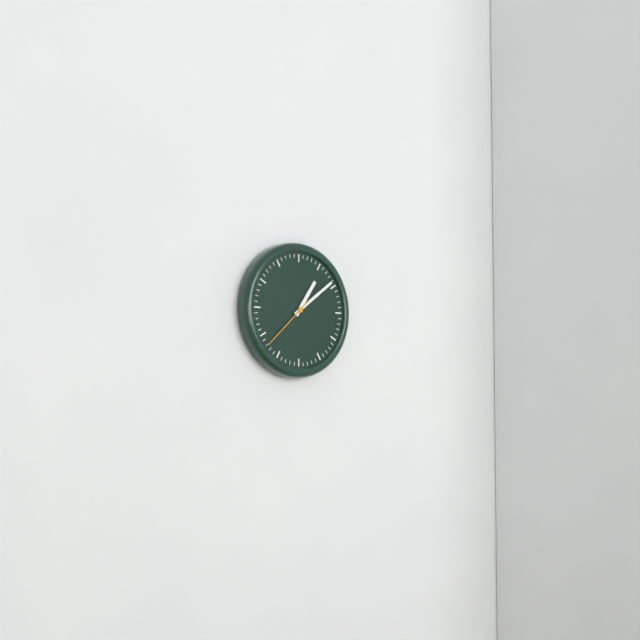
1.09.38
